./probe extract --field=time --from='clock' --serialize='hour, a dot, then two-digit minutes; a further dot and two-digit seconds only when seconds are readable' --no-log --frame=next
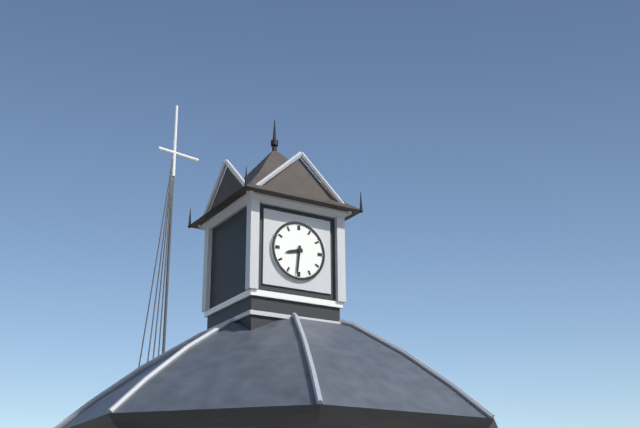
8.31
